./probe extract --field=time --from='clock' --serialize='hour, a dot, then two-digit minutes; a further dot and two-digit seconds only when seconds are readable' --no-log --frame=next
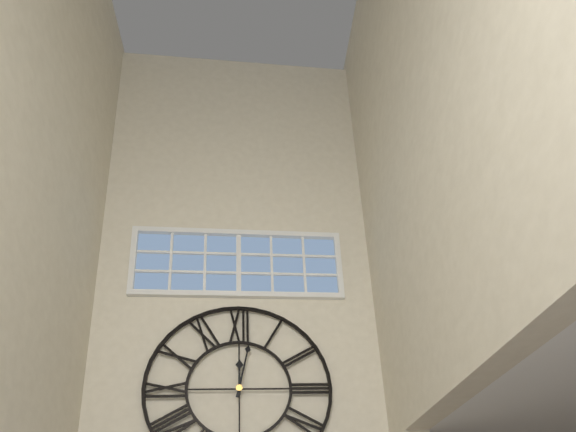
12.02
